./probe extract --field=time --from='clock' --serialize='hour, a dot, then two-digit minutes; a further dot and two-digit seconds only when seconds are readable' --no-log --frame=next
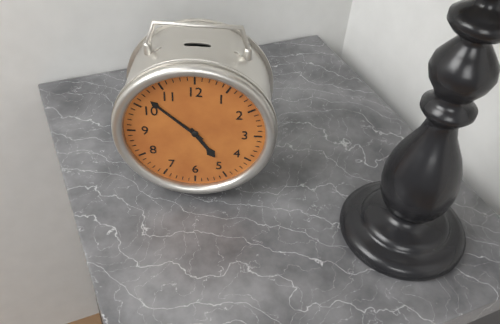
4.52
